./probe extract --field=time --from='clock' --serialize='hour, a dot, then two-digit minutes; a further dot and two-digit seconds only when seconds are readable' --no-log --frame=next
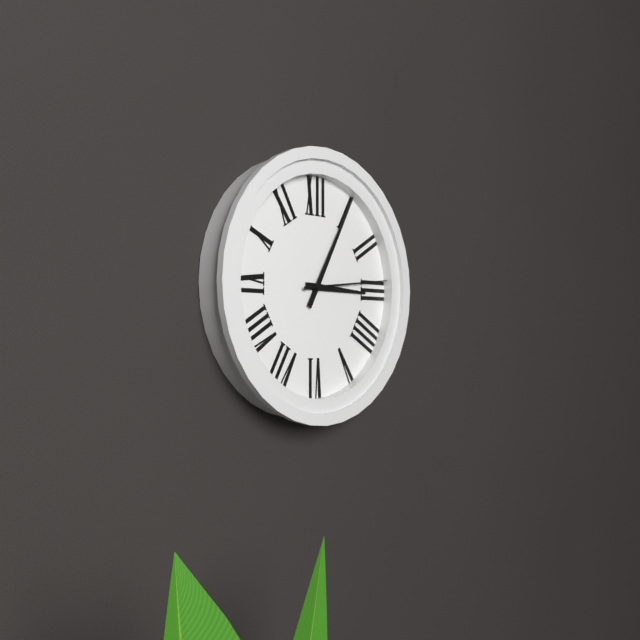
3.05.14
